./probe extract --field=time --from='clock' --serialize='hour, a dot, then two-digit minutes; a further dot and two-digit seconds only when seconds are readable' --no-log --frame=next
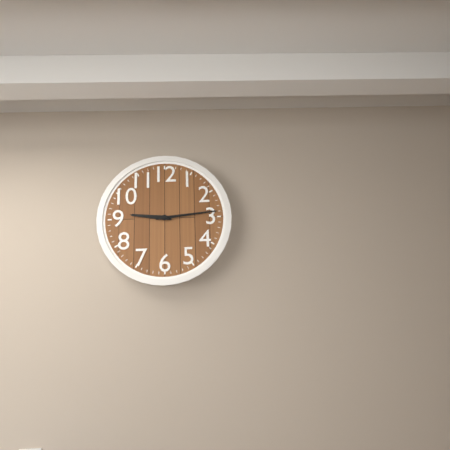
9.14
